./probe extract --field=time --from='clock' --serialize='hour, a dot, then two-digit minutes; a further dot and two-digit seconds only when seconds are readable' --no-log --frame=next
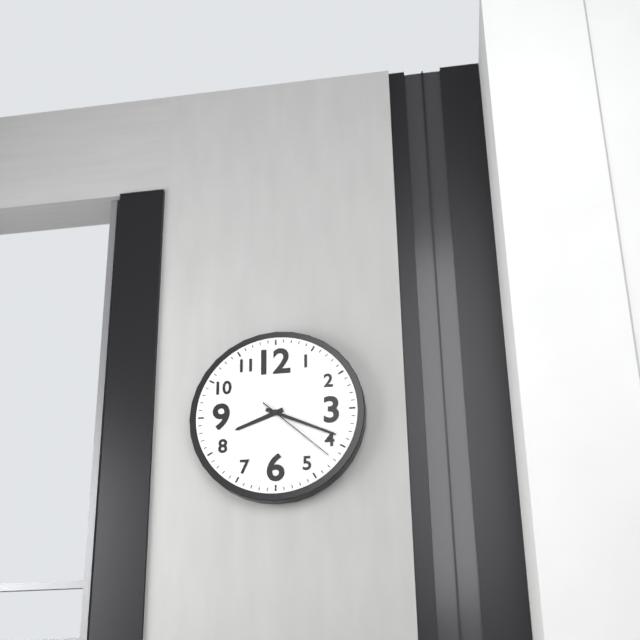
8.19.22
